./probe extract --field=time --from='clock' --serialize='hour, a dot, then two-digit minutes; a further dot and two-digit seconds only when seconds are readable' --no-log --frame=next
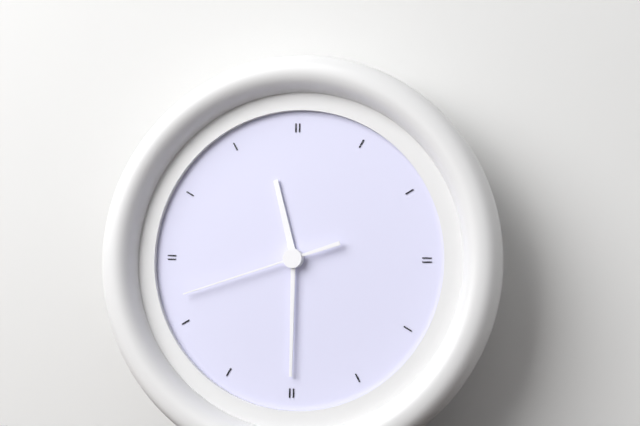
11.30.42
